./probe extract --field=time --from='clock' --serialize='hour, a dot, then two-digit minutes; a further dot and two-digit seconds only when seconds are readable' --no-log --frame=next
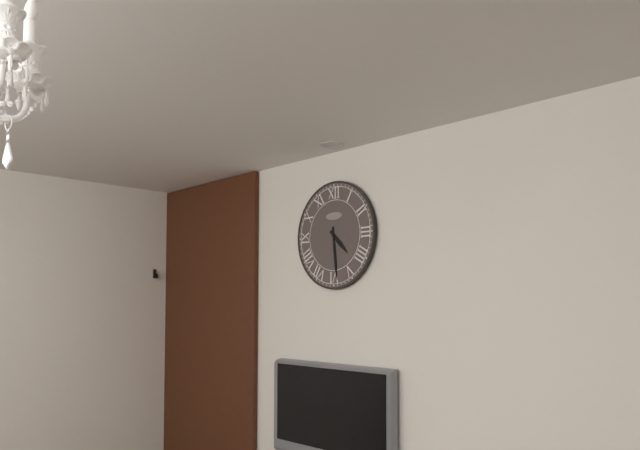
4.29
